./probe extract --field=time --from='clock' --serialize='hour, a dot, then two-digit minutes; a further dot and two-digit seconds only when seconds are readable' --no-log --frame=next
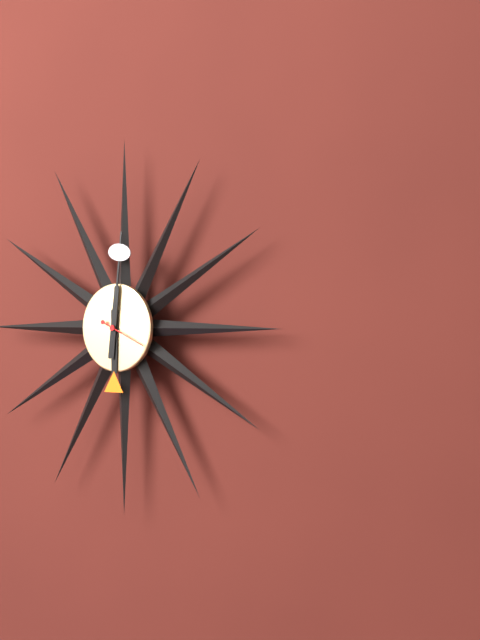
6.01
